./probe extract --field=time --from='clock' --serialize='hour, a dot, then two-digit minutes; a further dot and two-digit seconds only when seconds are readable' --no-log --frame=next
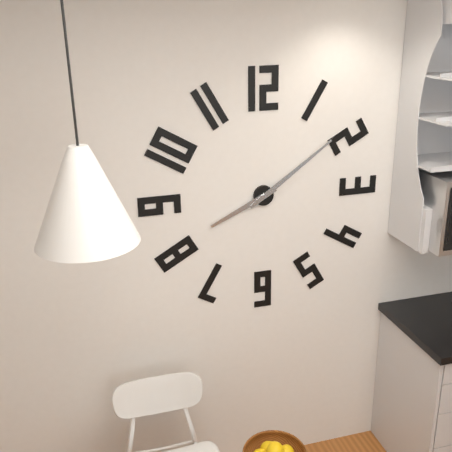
8.09
